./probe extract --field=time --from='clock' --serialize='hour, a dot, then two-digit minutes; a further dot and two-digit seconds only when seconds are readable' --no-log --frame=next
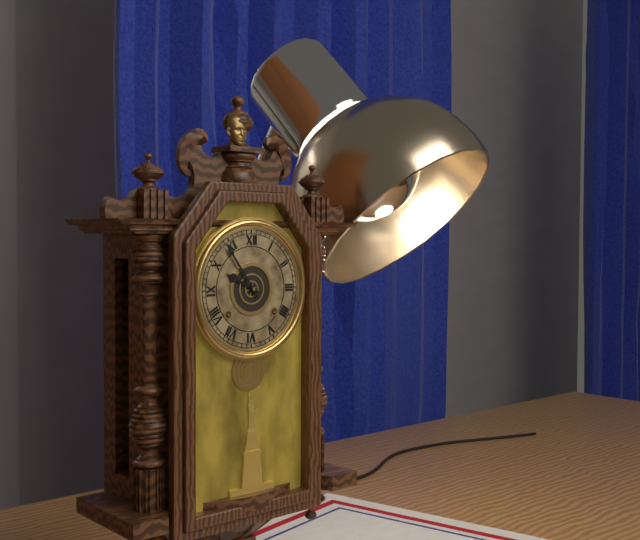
9.54
